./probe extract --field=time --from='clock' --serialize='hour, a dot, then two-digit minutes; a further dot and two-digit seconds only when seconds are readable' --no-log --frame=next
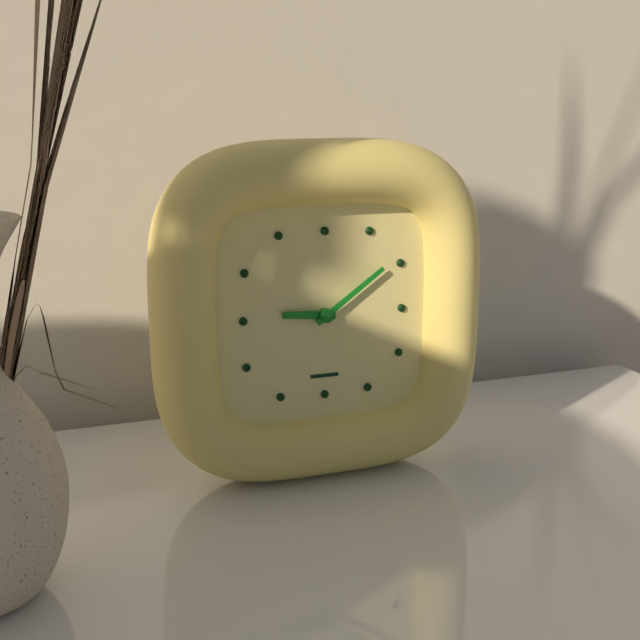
9.09
